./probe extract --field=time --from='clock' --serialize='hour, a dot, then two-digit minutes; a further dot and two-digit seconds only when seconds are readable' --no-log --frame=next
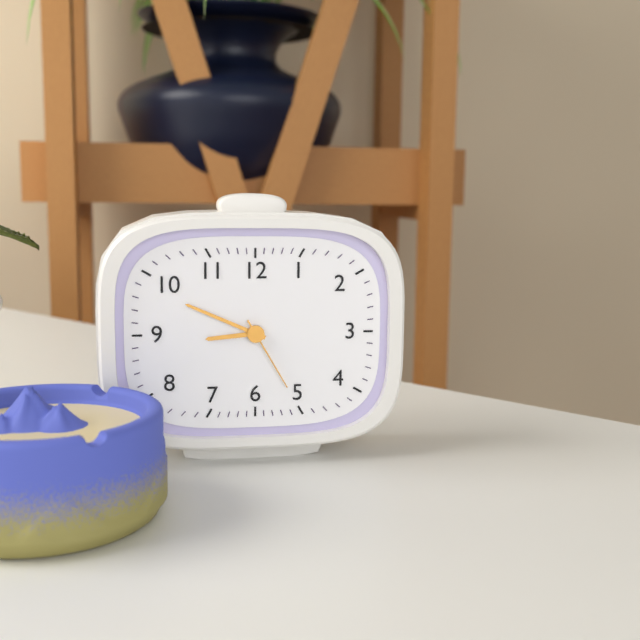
8.49.25
